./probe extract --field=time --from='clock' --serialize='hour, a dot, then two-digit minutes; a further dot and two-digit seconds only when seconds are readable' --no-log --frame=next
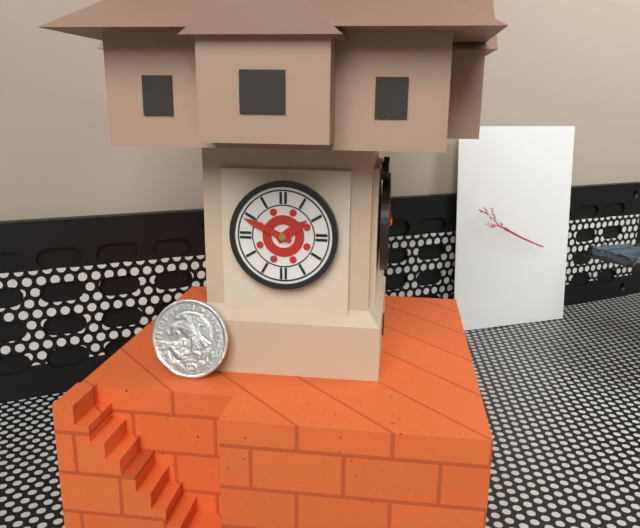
1.49
